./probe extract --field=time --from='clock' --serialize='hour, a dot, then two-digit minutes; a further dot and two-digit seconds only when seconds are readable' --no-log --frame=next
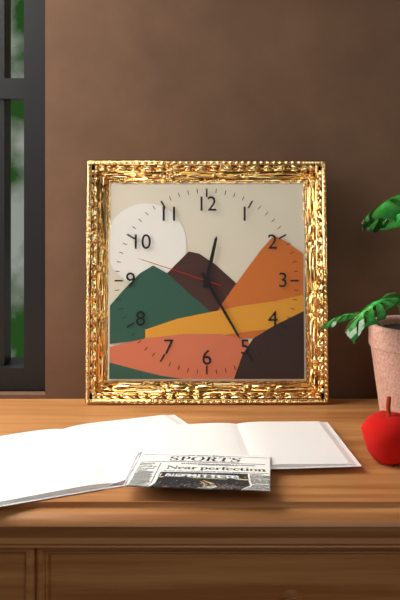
12.25.48
